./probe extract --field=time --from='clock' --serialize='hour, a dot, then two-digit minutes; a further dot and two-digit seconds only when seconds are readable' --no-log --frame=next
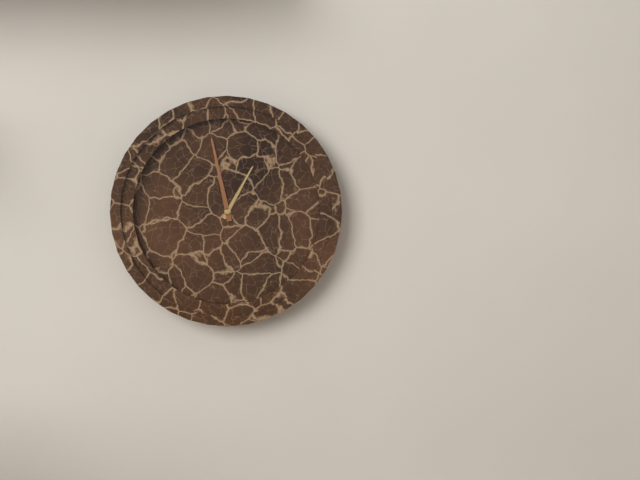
12.58
